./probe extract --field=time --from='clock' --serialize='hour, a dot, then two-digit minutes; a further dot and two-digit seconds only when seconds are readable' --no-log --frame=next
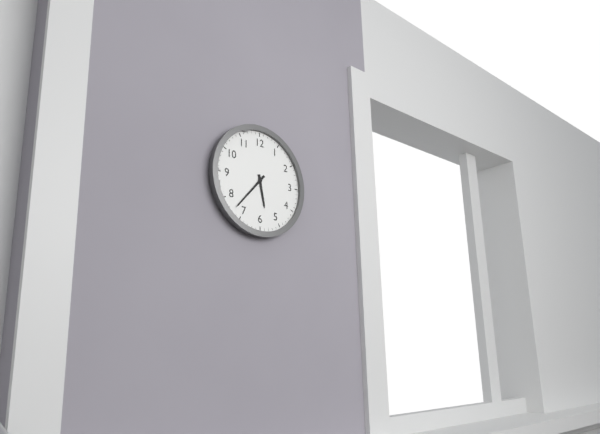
5.37
